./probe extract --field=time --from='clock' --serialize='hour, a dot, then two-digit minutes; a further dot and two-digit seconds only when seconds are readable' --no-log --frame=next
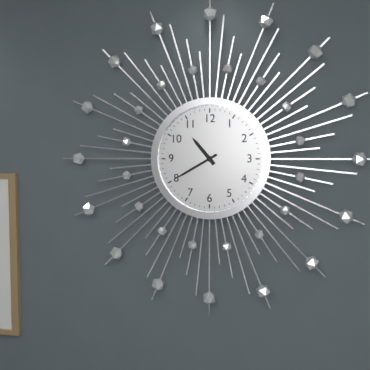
10.40
